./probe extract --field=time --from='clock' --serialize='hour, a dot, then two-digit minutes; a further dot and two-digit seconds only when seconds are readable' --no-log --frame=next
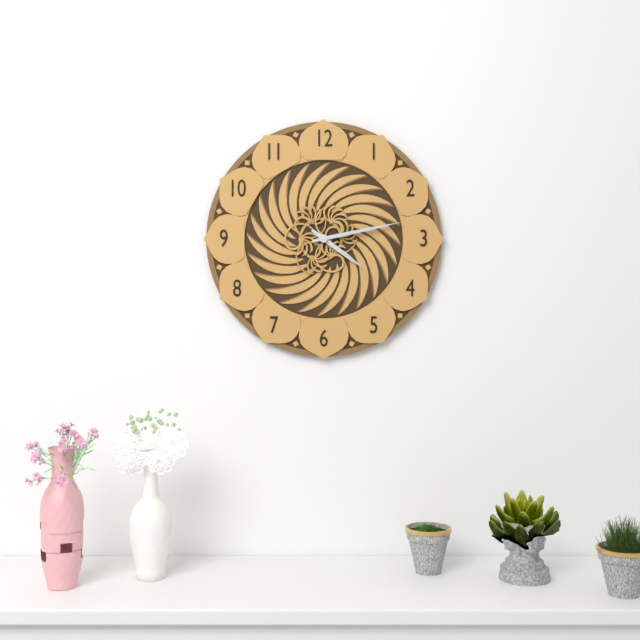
4.13
